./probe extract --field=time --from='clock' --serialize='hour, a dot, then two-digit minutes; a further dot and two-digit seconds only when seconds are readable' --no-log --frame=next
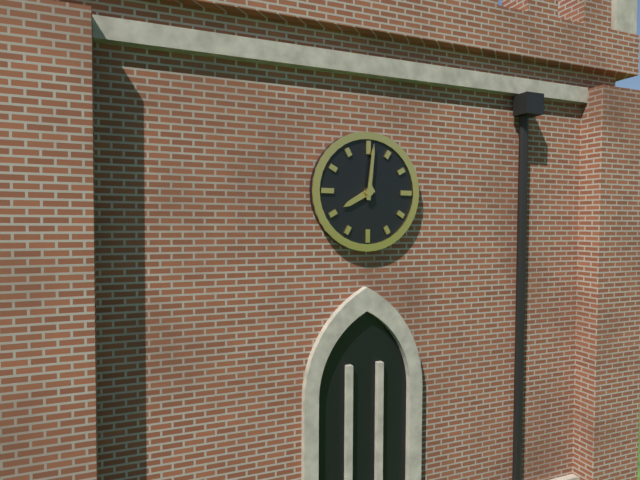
8.01
